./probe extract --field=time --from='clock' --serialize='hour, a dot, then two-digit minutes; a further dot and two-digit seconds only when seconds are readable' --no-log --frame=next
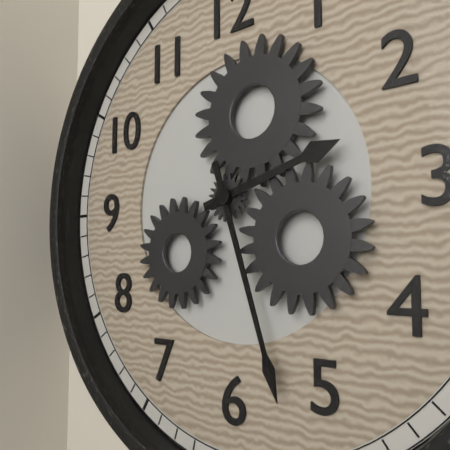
2.27
